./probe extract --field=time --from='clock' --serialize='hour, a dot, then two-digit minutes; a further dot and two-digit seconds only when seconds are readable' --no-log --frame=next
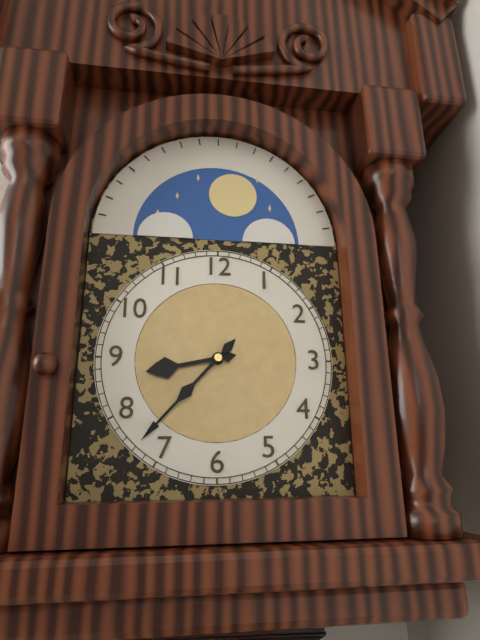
8.37
